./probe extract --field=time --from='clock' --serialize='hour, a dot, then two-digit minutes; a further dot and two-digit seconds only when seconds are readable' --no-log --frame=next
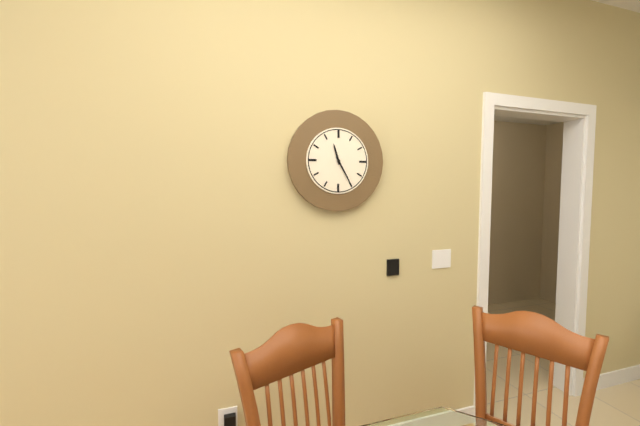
11.25
